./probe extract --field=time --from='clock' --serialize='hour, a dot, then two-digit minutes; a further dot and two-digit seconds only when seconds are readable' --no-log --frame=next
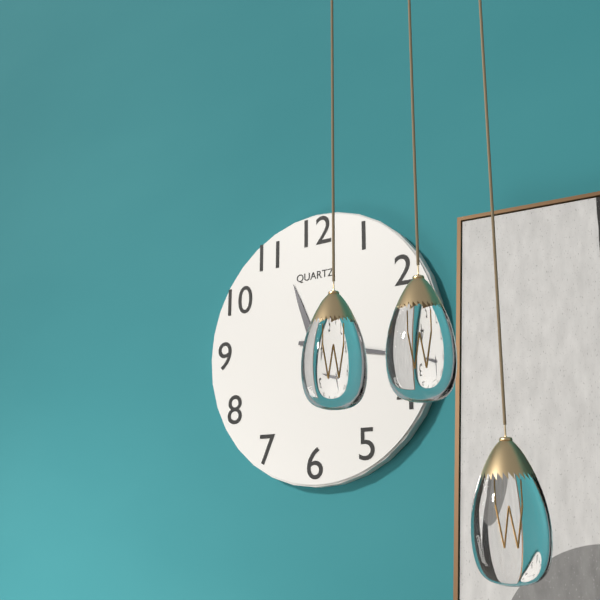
11.17
